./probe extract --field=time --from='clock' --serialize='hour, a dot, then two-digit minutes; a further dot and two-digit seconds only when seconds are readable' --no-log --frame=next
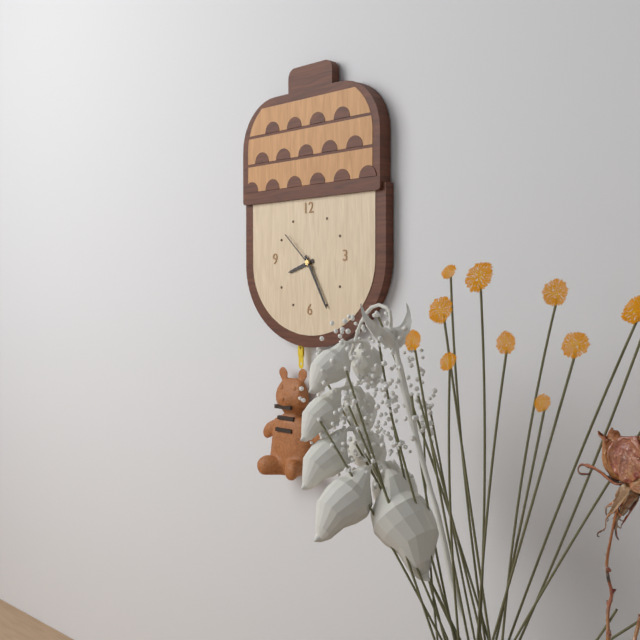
8.25.52
